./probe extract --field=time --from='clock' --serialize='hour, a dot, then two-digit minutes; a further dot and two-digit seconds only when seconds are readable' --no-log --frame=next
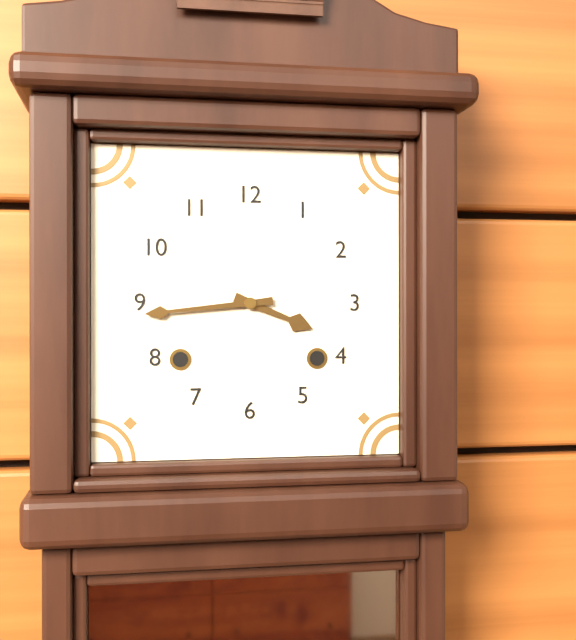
3.44
